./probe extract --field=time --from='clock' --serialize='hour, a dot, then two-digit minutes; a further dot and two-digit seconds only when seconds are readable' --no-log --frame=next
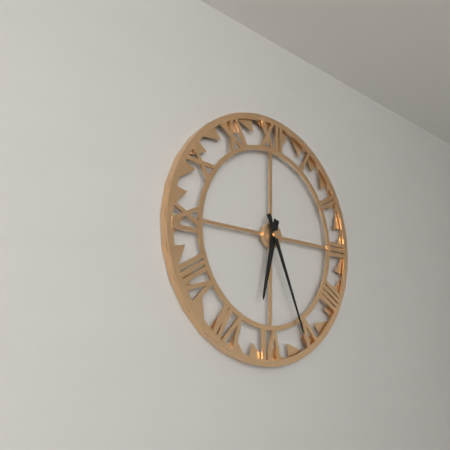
6.26
